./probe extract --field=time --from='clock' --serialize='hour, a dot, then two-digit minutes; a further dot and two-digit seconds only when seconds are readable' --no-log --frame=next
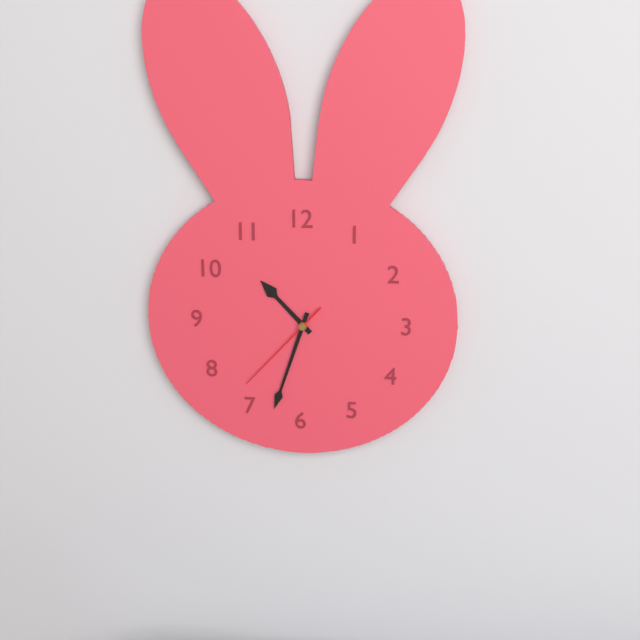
10.33.37
